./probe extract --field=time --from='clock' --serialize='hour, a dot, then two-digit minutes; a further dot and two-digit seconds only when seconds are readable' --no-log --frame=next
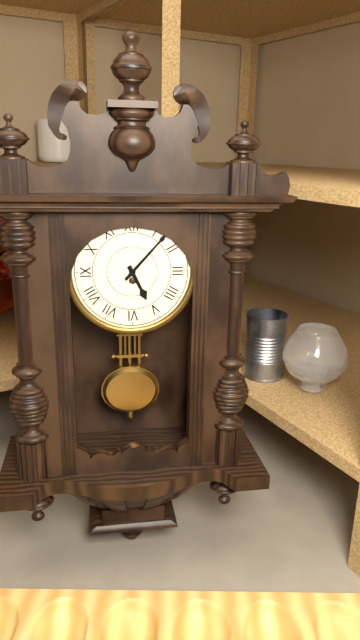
5.07
